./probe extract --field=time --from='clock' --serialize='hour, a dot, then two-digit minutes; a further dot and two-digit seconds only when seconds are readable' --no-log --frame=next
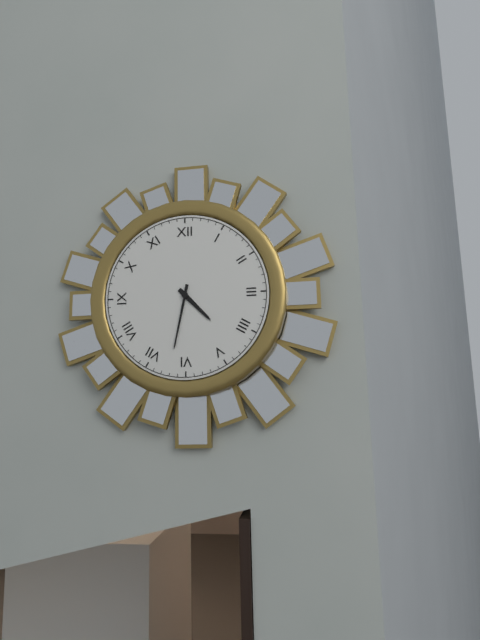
4.32
